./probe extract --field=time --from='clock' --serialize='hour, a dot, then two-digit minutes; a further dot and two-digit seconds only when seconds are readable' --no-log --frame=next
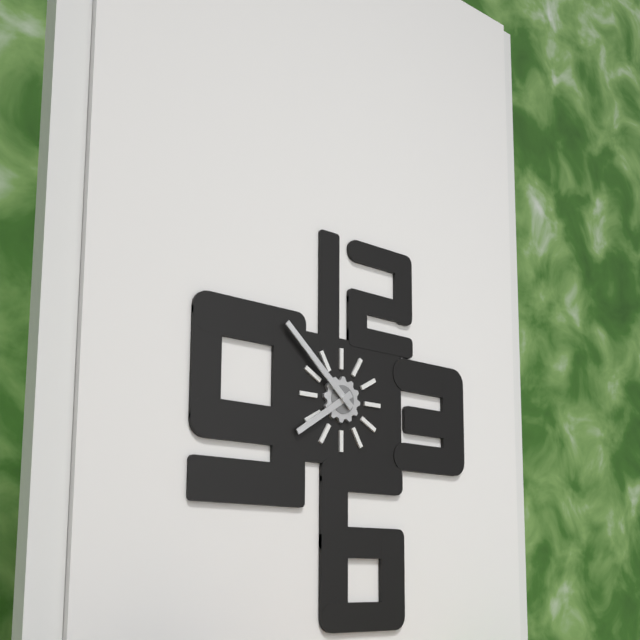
7.52
